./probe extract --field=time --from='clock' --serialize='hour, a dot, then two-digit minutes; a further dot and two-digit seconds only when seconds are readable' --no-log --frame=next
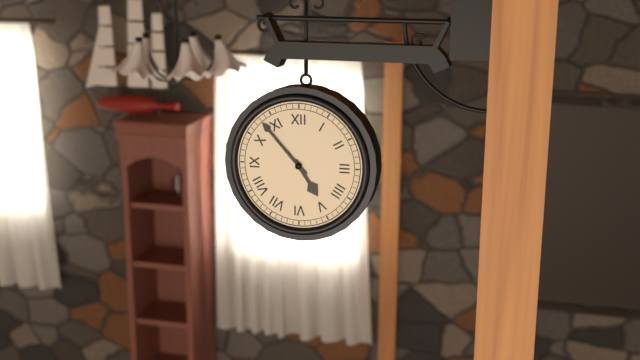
4.53
